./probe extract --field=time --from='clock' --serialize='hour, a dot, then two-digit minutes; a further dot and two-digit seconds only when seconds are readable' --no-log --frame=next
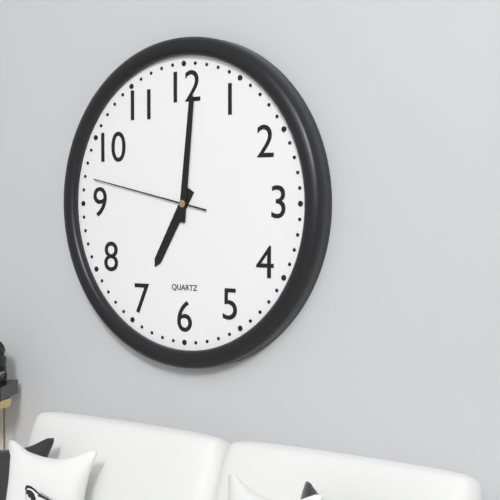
7.01.47
